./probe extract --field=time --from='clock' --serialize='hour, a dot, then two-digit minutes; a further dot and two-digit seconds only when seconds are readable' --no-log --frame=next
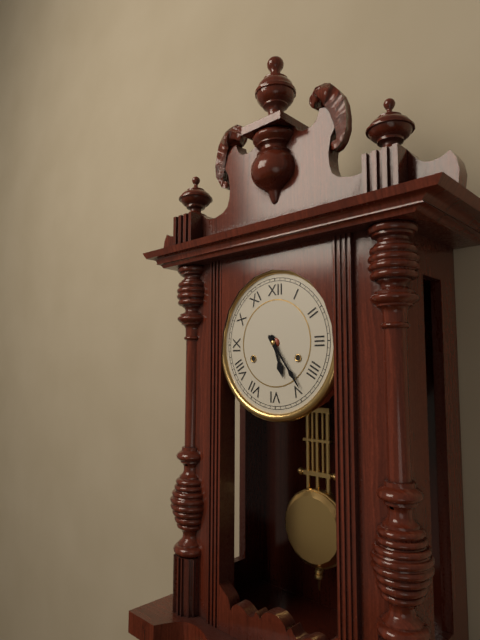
5.24
